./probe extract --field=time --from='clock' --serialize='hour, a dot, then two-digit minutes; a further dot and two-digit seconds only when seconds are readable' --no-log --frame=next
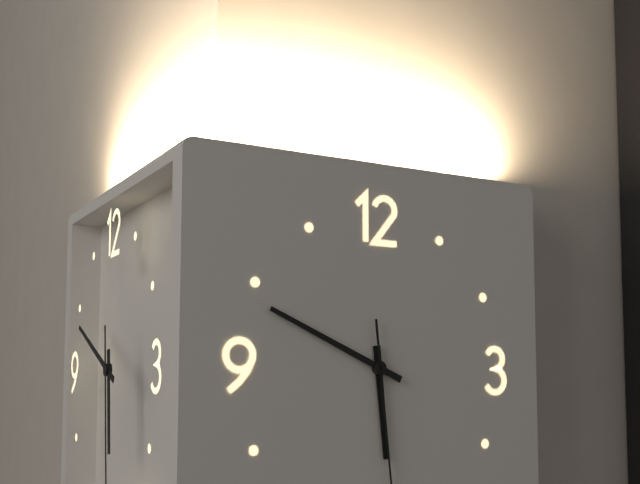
5.49
